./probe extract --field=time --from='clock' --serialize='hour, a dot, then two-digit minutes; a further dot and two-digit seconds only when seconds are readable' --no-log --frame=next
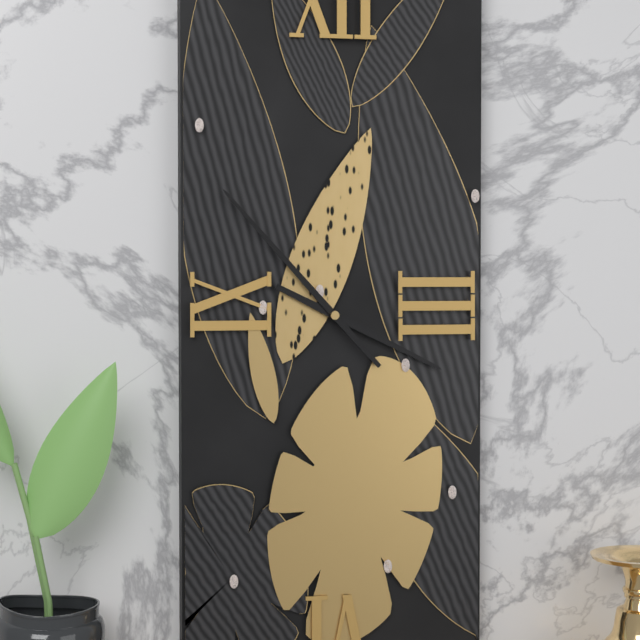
3.53
